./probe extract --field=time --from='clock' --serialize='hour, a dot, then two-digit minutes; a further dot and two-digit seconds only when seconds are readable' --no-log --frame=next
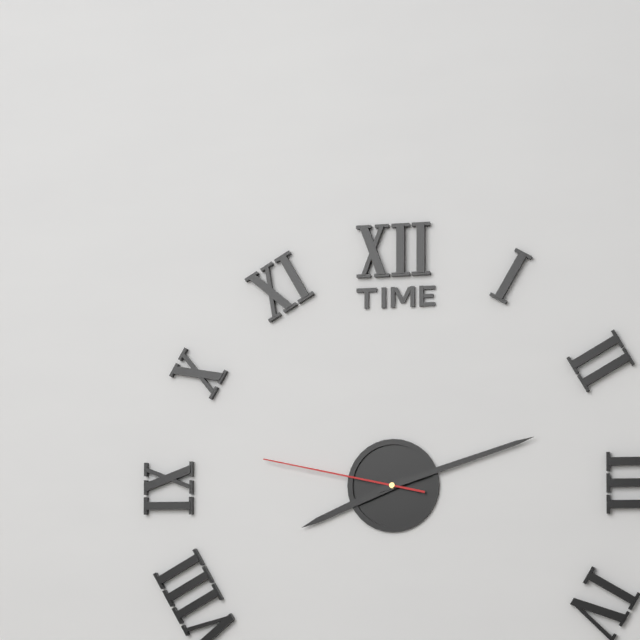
8.12.47
